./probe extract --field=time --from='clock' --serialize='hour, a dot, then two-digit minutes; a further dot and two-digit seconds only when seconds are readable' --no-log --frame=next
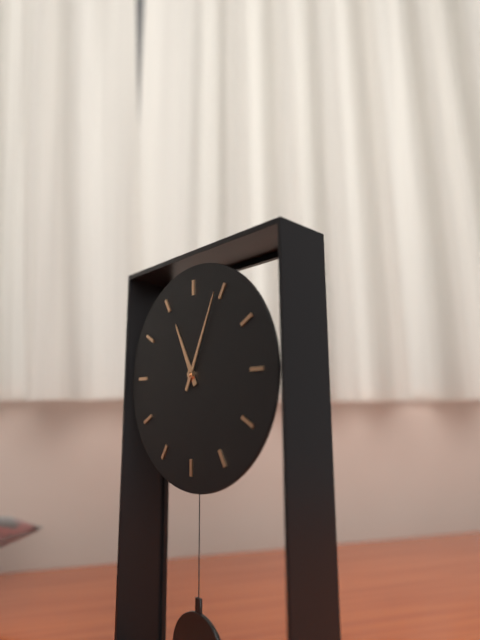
11.04
